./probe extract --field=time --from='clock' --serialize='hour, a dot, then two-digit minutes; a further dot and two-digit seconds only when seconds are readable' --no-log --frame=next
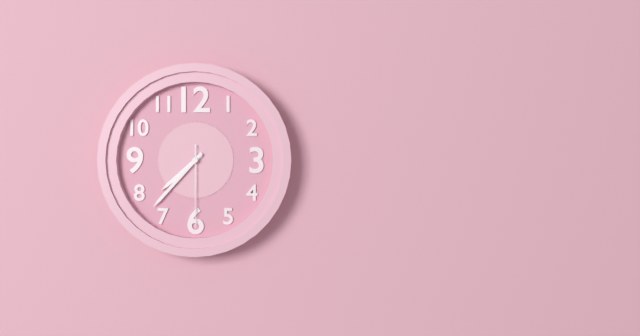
7.37.30
